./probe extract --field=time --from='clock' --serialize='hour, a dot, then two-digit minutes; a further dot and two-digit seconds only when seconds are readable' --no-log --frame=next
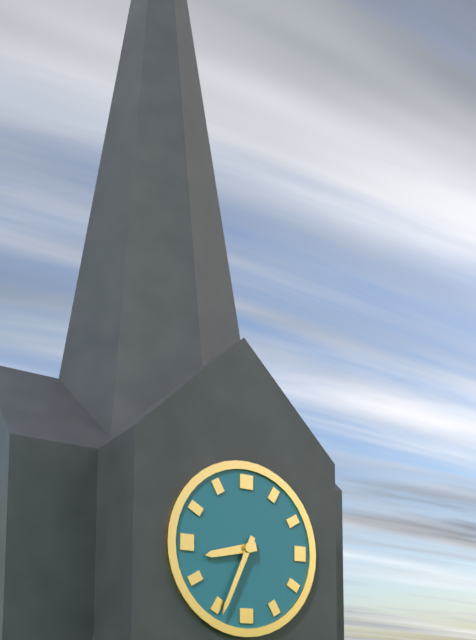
8.34
